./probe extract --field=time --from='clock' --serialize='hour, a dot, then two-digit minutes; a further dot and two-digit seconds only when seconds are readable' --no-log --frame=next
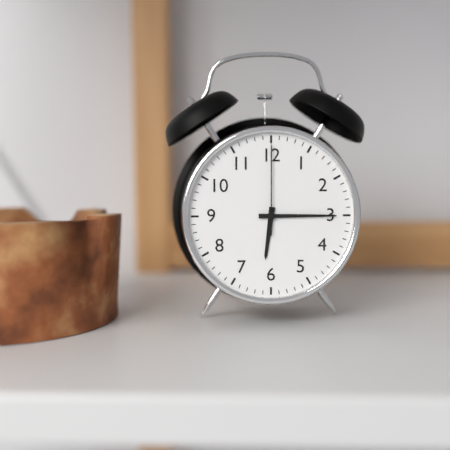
6.15.00
